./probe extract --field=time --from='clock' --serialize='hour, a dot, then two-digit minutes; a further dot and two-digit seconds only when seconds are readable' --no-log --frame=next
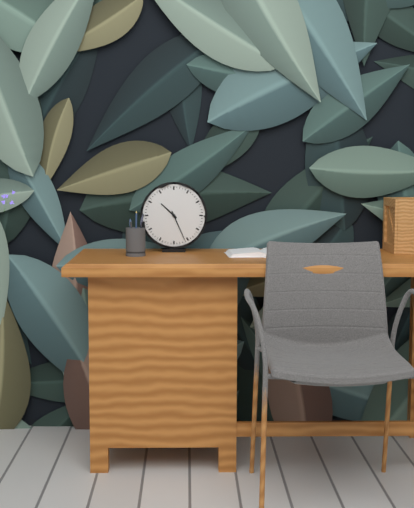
10.26
